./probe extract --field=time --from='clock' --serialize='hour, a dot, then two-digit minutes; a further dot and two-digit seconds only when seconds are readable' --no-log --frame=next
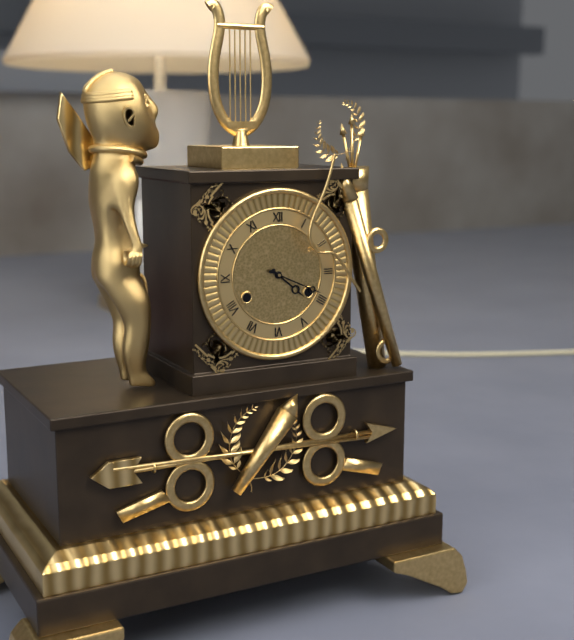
4.19
